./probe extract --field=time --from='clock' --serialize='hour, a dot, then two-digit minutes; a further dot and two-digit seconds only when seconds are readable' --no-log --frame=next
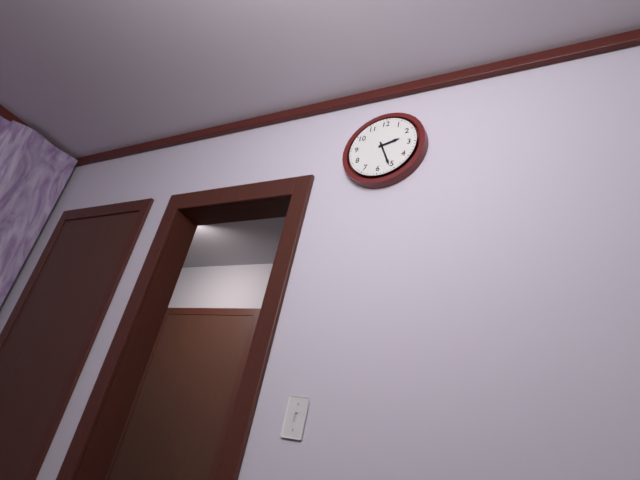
2.26
